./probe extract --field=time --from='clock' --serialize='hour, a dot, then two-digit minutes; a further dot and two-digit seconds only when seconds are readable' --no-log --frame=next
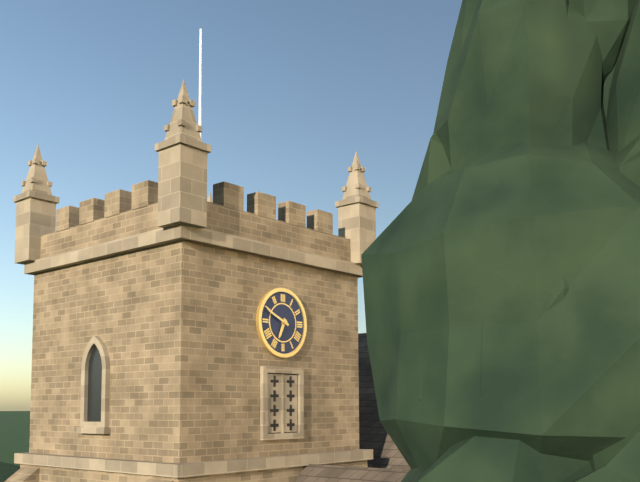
6.49
